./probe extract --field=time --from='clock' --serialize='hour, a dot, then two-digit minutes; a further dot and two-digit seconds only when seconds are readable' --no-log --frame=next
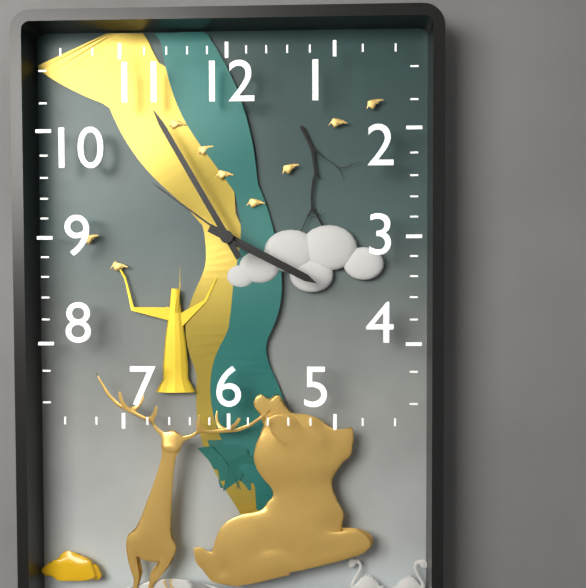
3.55.51
